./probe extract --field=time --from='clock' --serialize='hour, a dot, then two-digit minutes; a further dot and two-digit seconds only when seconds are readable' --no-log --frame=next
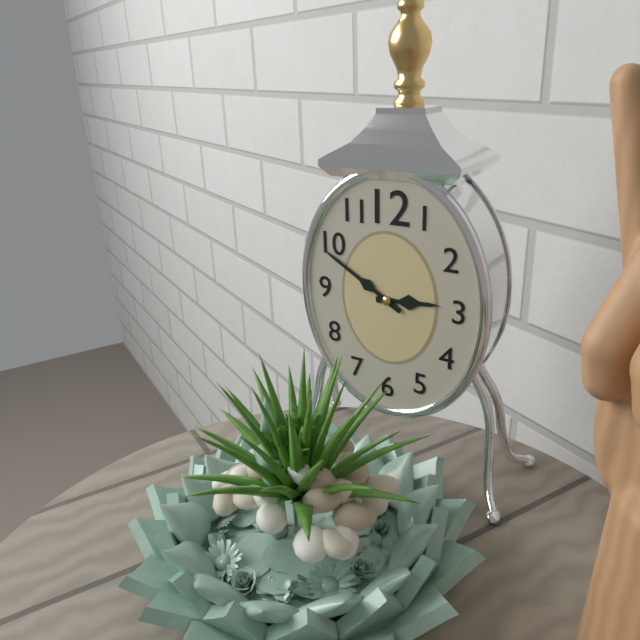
2.50
